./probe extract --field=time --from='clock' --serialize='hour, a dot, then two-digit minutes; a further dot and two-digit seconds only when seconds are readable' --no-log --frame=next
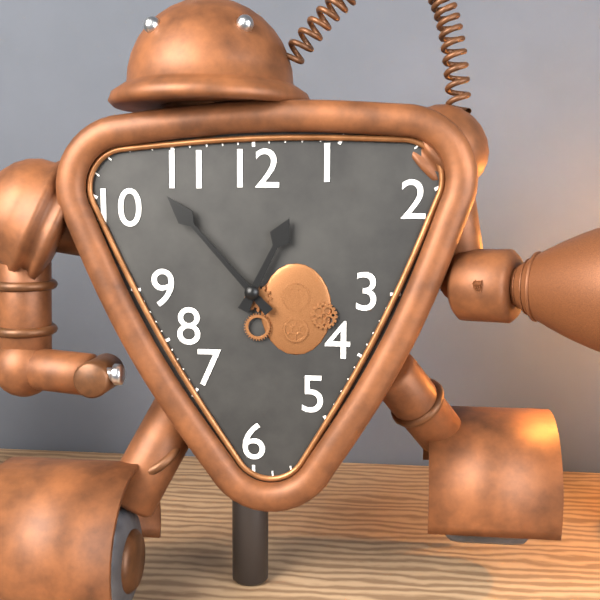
12.53
